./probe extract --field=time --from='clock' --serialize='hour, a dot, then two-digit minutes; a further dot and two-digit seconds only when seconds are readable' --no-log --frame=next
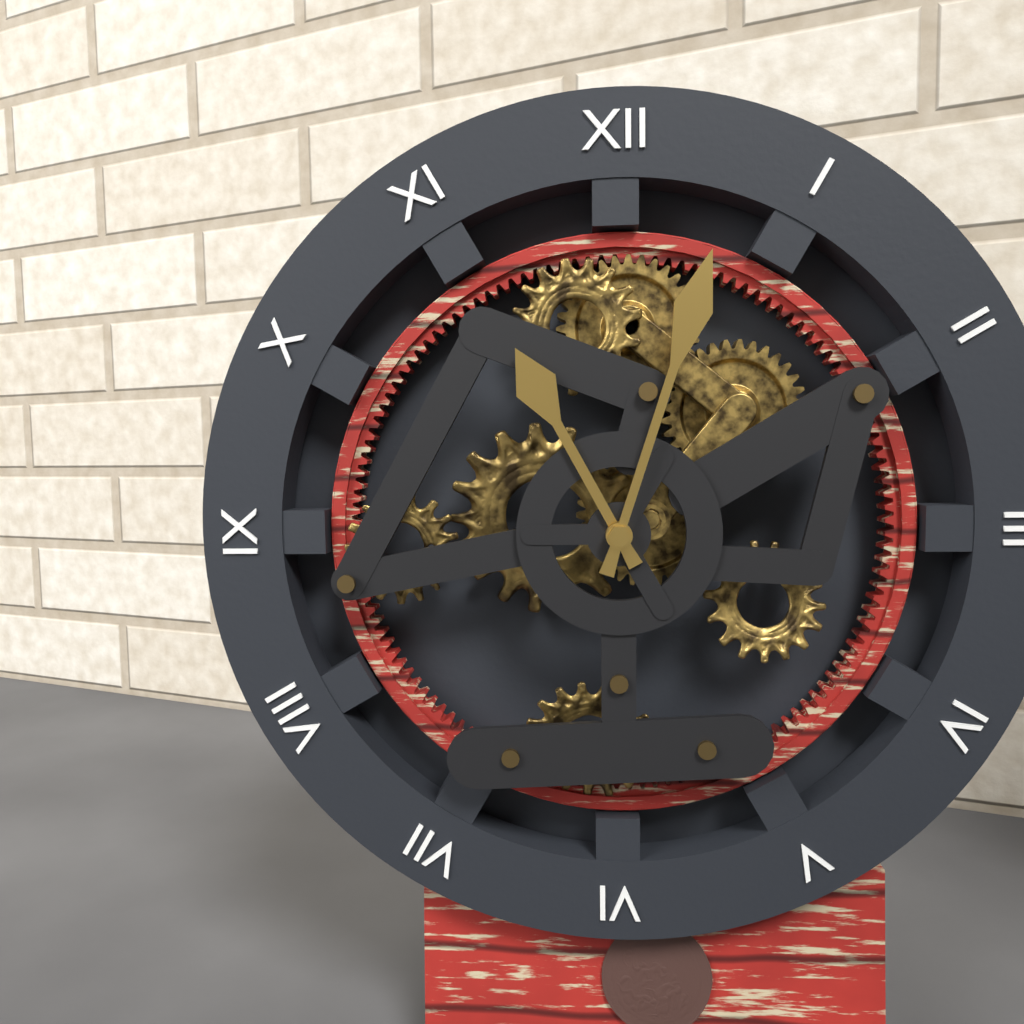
11.03
